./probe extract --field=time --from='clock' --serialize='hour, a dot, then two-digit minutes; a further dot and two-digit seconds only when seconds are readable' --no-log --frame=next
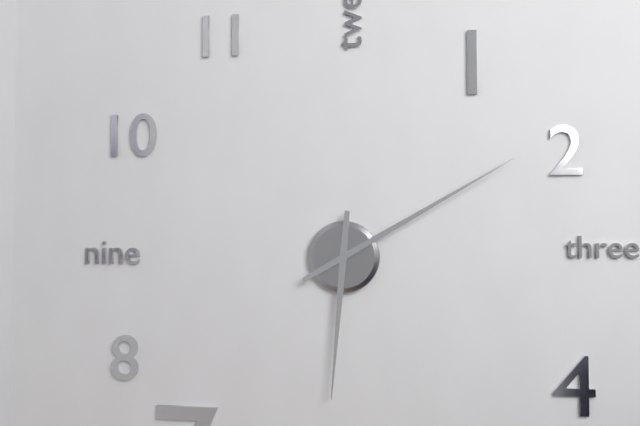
6.10
